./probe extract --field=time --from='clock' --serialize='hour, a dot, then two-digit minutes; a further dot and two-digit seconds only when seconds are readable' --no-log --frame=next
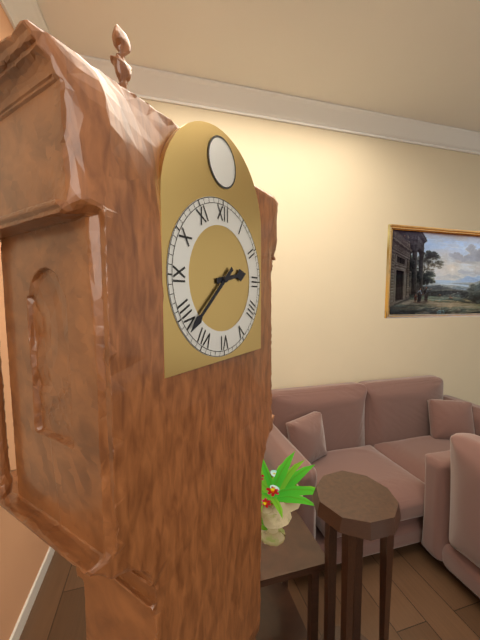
2.38
